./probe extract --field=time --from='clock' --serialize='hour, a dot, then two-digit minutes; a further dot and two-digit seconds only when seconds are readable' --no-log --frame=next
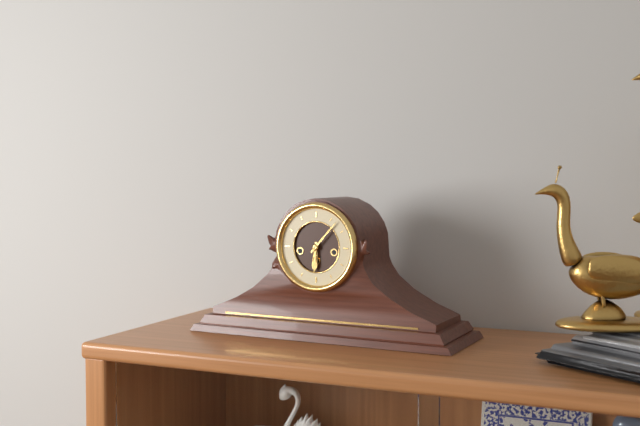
6.07
